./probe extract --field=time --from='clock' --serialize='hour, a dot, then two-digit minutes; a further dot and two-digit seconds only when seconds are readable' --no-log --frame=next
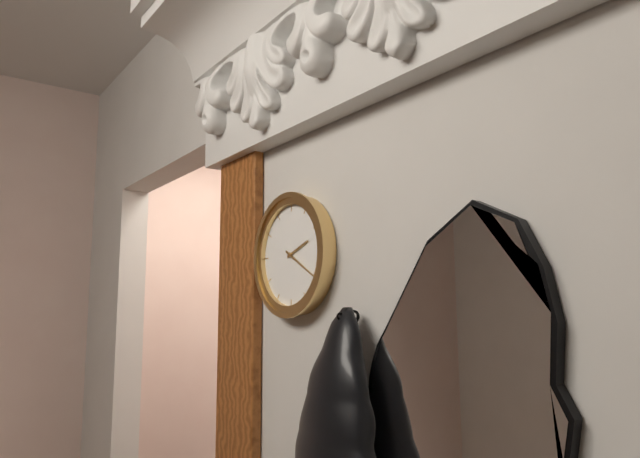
2.20
